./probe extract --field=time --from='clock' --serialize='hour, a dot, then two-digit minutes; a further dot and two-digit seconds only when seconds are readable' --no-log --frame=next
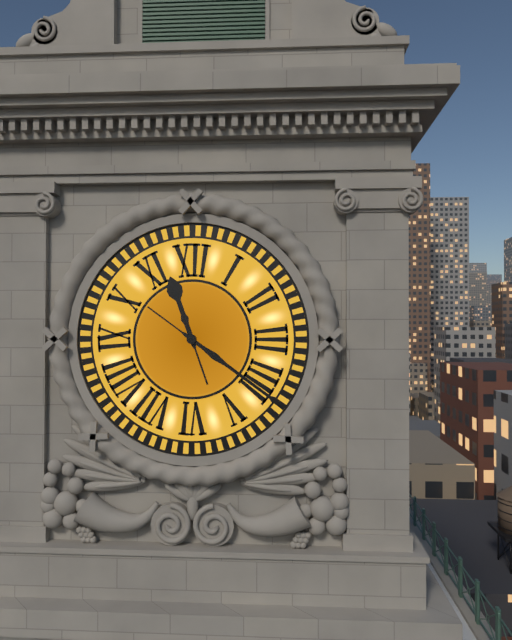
11.21
